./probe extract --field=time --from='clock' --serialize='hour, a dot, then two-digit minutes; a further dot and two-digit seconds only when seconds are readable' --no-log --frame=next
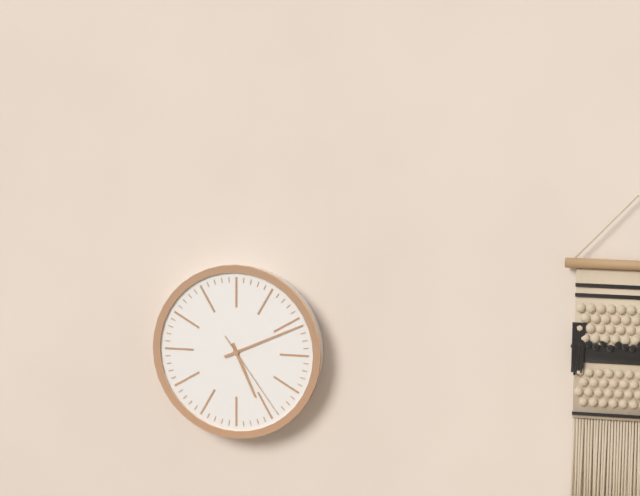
5.11.24
